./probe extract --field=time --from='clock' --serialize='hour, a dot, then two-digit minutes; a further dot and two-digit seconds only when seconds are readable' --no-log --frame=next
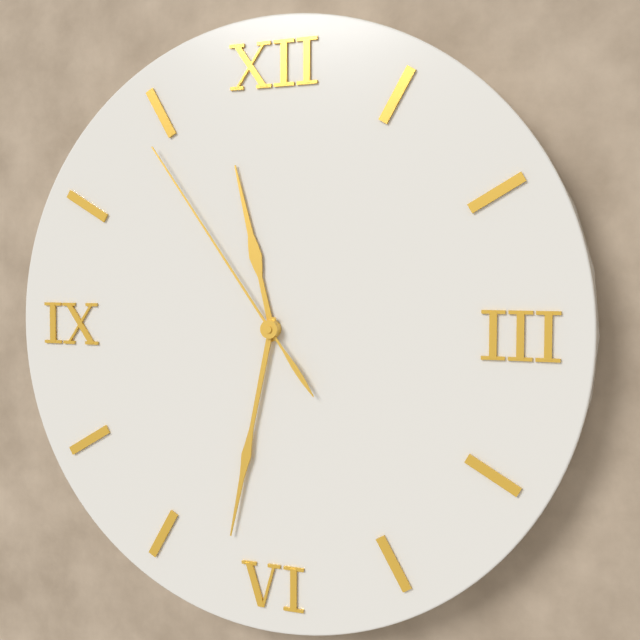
11.32.54
